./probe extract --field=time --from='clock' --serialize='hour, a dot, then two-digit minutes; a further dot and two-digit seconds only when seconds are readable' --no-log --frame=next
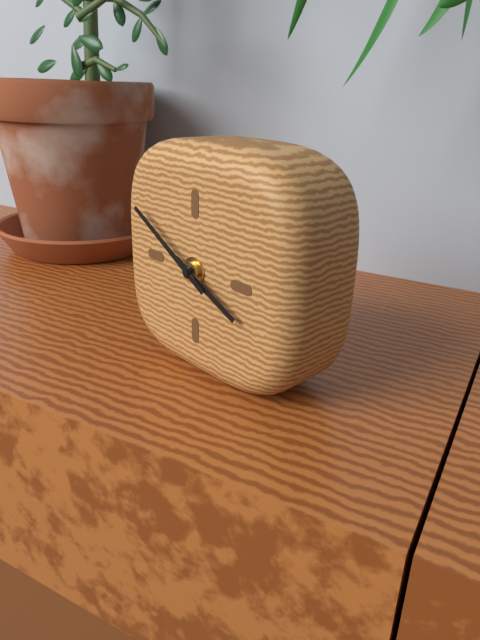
3.50
